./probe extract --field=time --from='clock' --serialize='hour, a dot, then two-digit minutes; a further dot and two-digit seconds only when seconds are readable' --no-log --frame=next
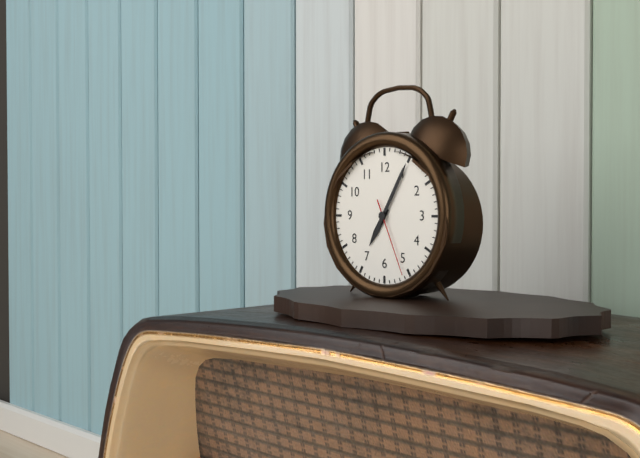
7.05.26
